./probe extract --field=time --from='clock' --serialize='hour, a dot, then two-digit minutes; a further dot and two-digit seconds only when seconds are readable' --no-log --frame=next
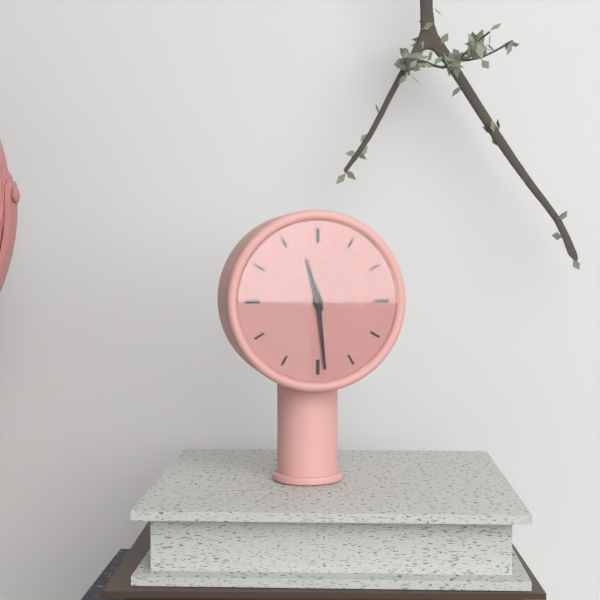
11.29
